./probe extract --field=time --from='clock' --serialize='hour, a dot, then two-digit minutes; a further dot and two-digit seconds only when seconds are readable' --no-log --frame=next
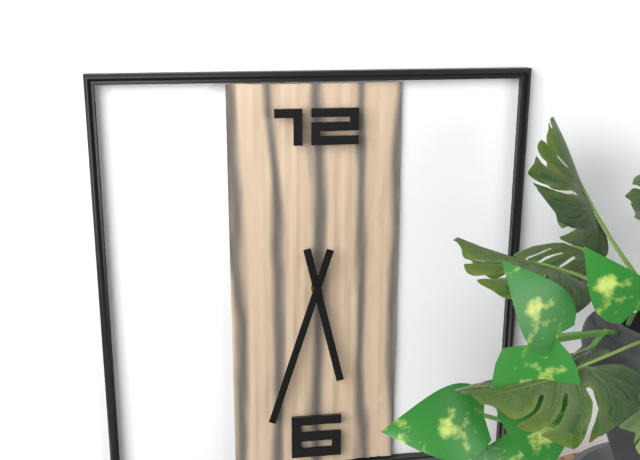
5.33
